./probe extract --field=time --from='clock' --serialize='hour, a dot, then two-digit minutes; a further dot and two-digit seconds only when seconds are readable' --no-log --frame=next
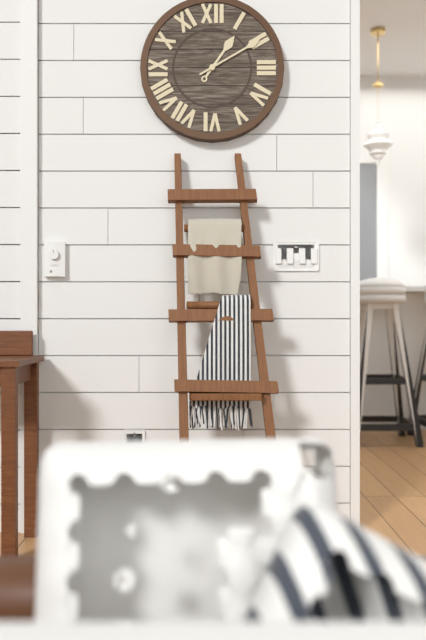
1.10
